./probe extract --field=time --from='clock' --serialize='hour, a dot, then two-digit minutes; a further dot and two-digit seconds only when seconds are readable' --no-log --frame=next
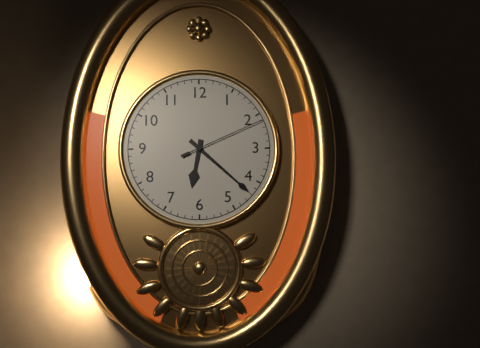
6.22.11
